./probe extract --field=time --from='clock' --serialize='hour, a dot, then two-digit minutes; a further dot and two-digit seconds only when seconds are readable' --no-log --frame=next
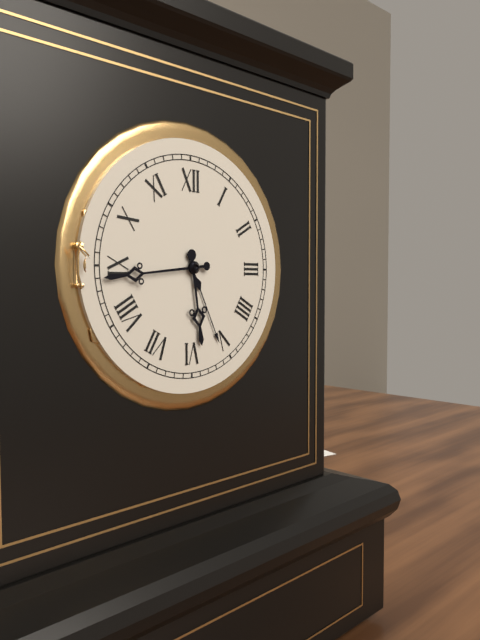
5.44
